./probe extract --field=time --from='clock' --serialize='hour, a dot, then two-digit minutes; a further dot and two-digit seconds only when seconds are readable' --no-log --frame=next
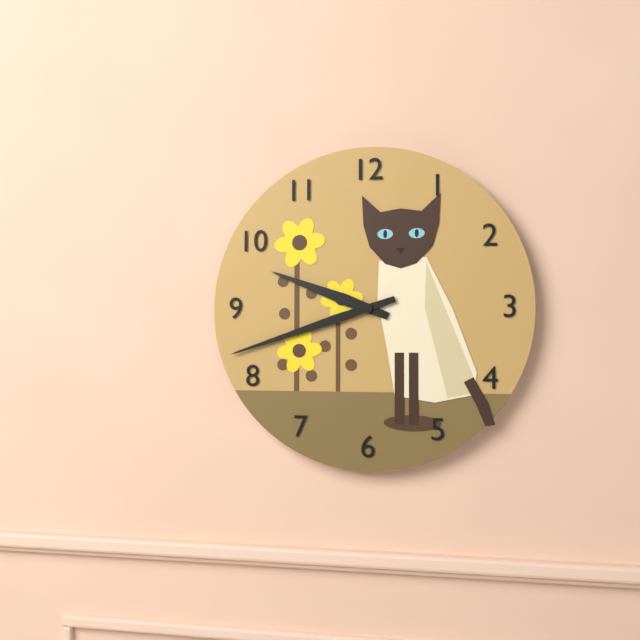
9.42
